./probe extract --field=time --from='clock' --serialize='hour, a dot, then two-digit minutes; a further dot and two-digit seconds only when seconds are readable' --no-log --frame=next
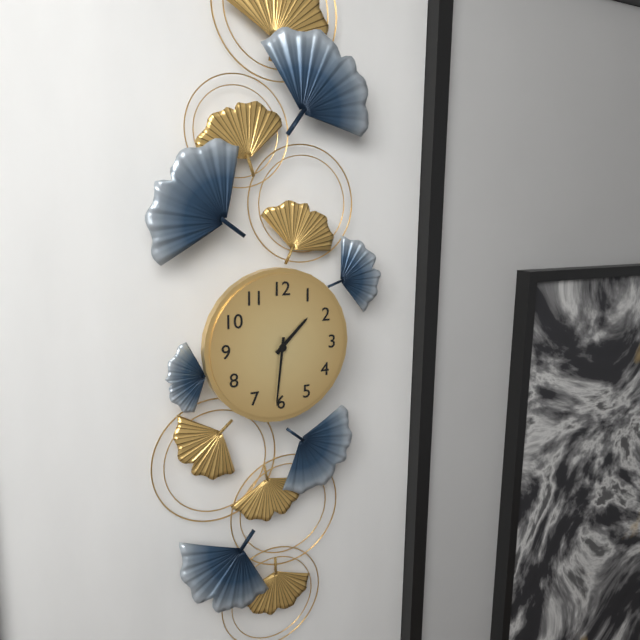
1.31
